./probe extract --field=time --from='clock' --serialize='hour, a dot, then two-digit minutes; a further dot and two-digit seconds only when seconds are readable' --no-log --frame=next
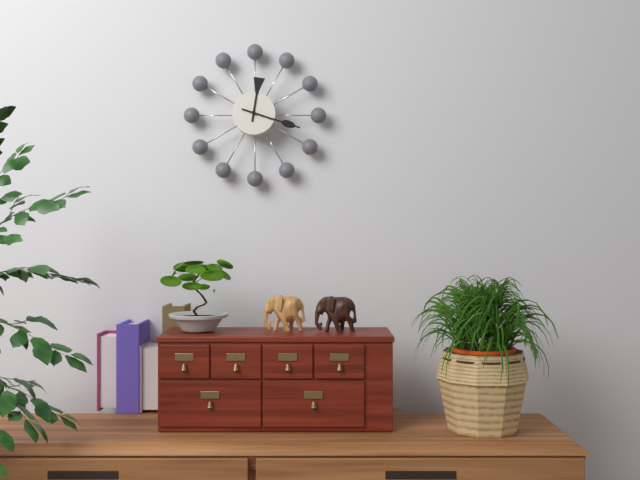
12.18
